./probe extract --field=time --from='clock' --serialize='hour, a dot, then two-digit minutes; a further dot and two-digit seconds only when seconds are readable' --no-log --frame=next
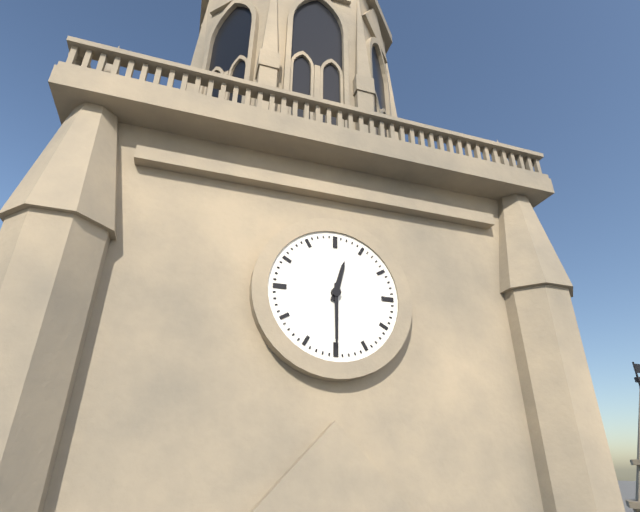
12.30
